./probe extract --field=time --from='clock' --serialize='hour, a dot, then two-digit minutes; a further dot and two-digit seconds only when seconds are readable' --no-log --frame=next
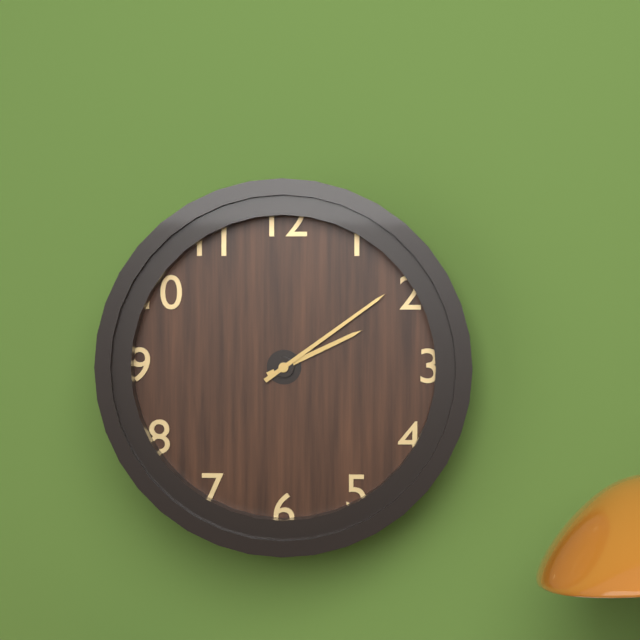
2.09
